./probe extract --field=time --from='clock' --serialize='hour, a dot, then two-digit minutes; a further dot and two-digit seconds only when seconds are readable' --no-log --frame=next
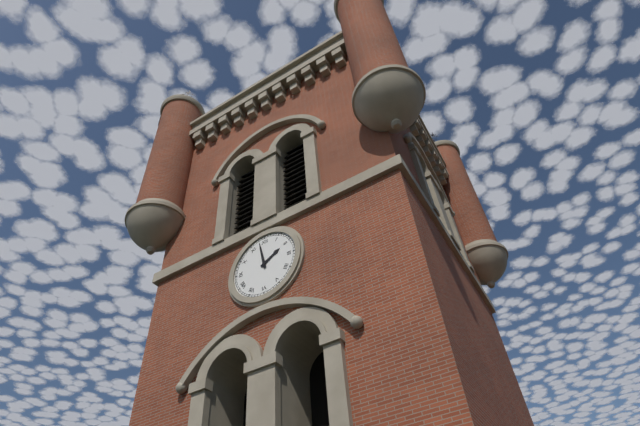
1.58
